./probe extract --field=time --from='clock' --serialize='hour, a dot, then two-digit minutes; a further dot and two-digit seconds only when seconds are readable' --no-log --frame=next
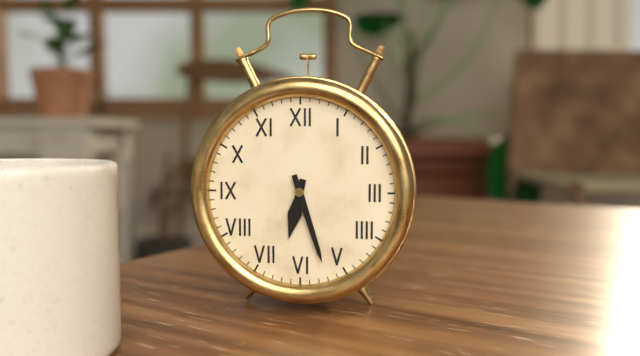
6.27
